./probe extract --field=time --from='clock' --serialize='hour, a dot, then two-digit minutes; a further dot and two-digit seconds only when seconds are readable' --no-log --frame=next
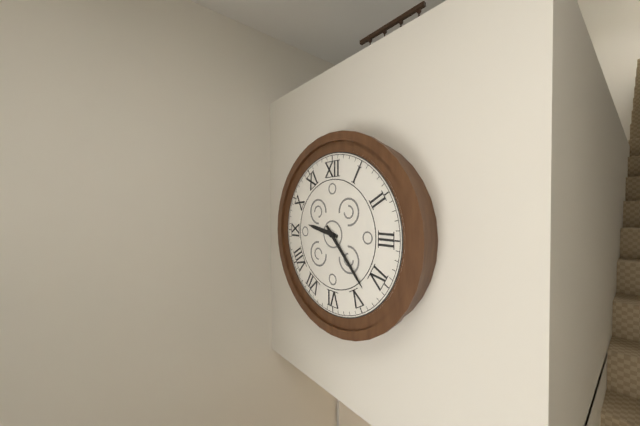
9.23
